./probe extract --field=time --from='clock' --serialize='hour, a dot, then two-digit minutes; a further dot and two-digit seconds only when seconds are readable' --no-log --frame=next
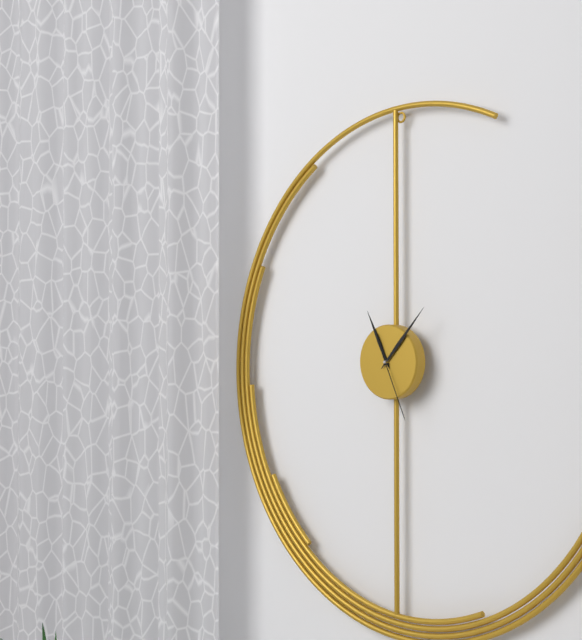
11.07.26
